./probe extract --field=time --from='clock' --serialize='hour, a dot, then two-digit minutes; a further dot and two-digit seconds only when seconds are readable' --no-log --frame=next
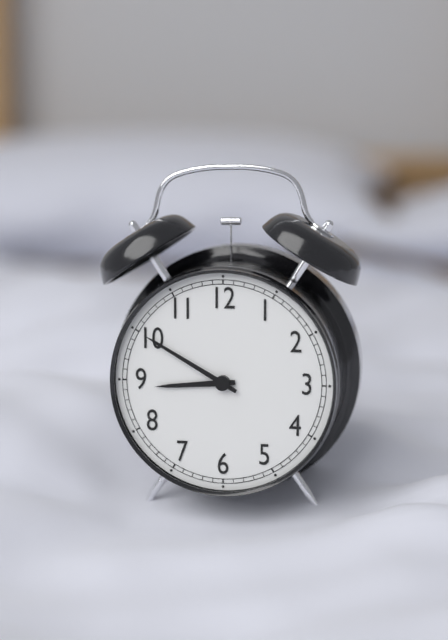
8.50
